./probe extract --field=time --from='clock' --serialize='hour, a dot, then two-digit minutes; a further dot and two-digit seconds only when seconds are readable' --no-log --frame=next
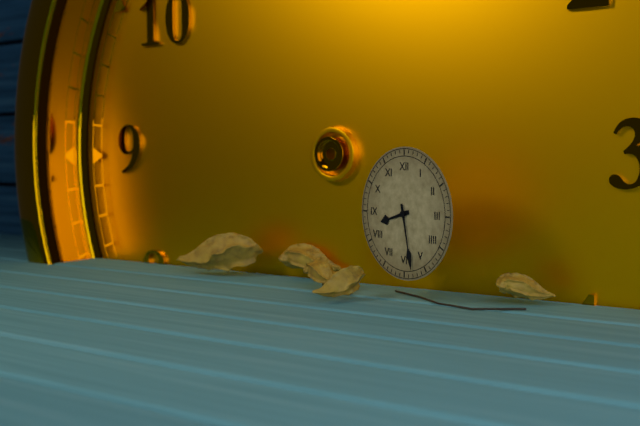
8.28
